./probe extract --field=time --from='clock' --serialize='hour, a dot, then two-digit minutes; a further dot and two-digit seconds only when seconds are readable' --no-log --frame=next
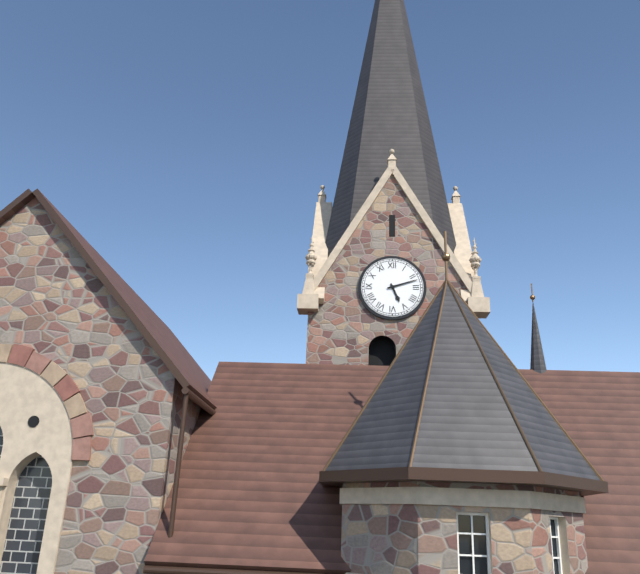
5.12
